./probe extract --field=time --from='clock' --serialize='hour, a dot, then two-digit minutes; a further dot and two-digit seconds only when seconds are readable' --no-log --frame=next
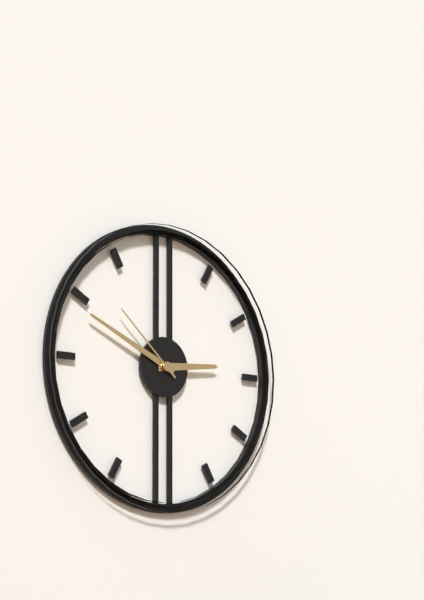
2.49.52
